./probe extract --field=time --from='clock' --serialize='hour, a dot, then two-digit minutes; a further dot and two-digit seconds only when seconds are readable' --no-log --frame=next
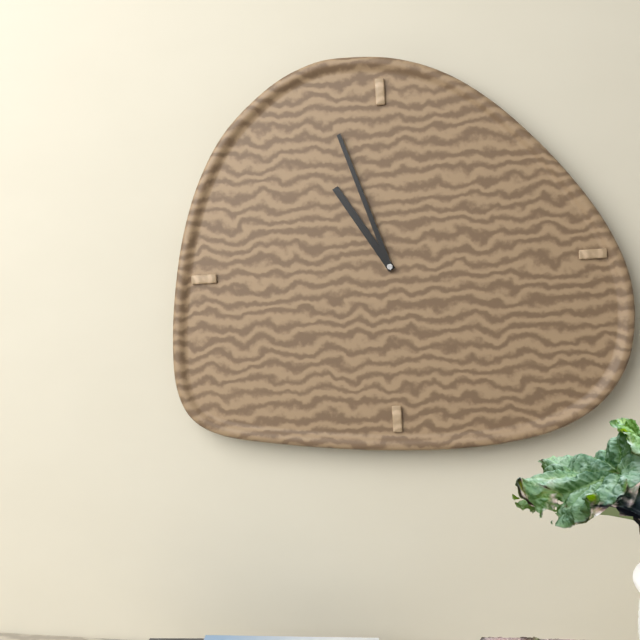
10.57
